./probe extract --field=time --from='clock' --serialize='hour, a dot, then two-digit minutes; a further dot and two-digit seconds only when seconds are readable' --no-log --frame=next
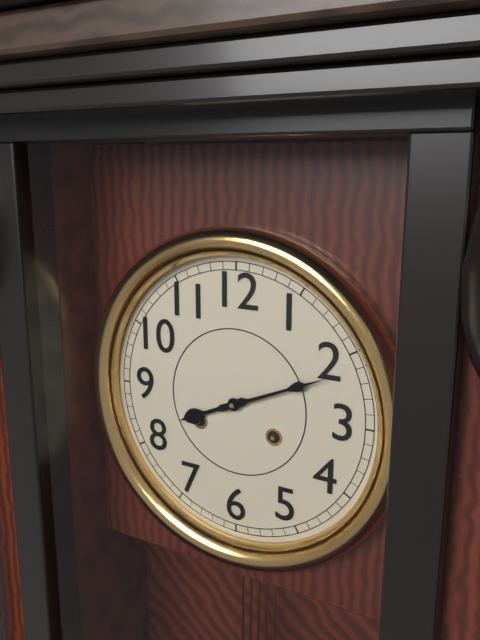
8.11
